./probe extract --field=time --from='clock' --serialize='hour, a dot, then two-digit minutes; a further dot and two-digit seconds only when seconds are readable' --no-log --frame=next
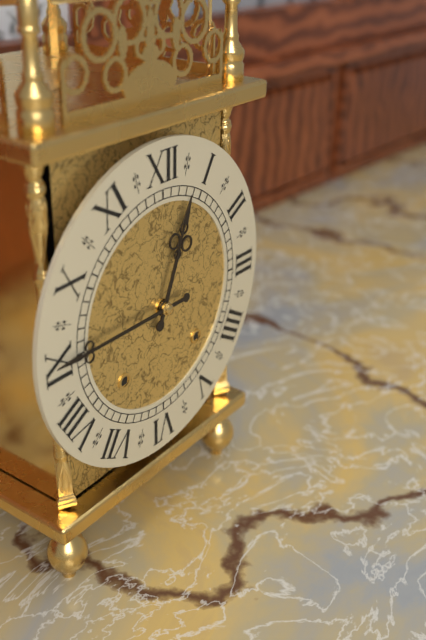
12.45
